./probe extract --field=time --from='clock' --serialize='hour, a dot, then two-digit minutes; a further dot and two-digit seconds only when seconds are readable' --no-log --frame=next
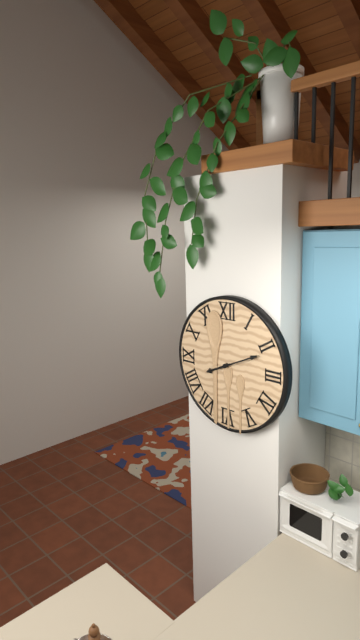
8.11
